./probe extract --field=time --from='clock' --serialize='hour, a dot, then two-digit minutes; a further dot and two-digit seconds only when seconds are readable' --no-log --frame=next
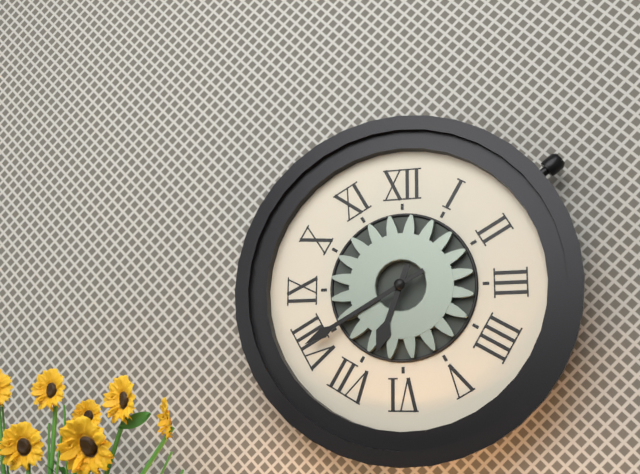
6.40
